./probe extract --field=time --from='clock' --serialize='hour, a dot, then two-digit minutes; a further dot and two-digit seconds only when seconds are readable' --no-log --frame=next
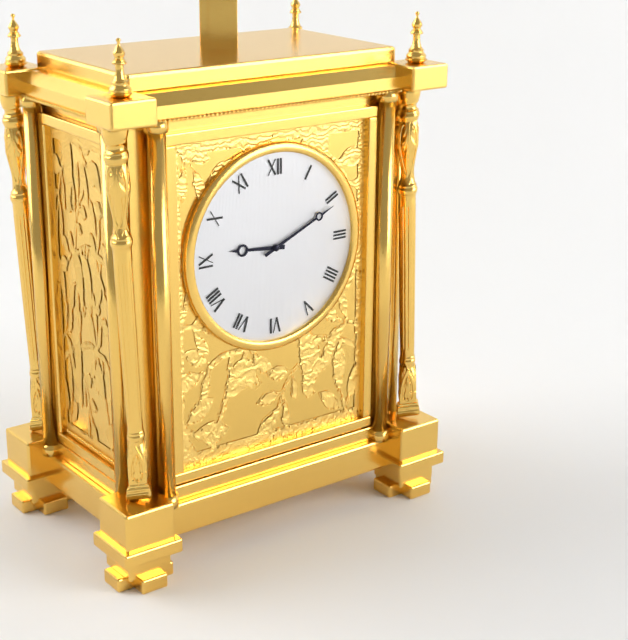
9.11
